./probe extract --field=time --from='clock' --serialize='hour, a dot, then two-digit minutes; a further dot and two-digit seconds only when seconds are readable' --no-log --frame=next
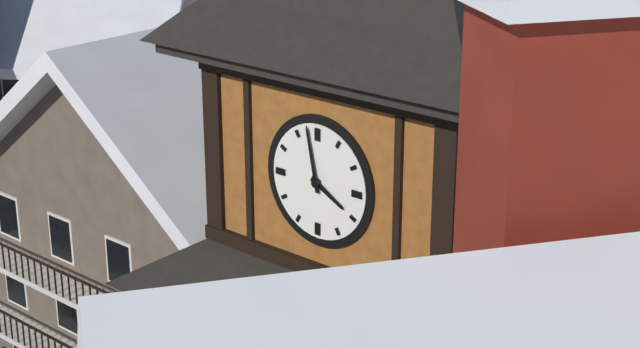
3.58
